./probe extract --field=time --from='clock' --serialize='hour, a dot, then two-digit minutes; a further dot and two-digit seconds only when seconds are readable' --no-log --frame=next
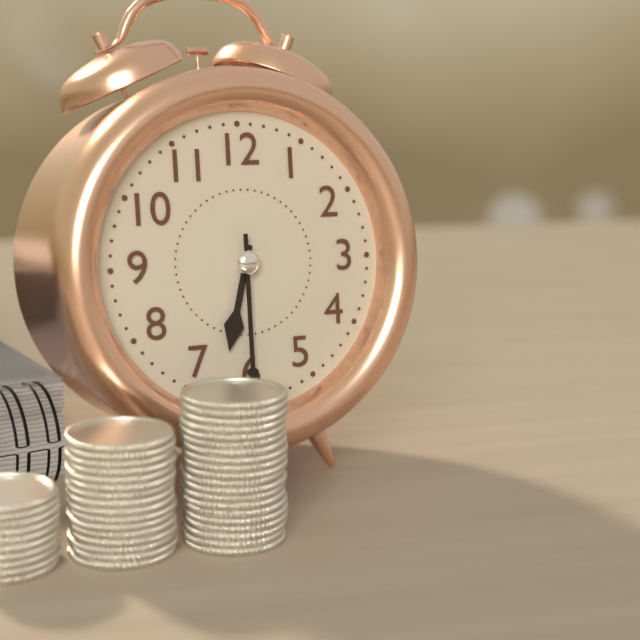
6.30
